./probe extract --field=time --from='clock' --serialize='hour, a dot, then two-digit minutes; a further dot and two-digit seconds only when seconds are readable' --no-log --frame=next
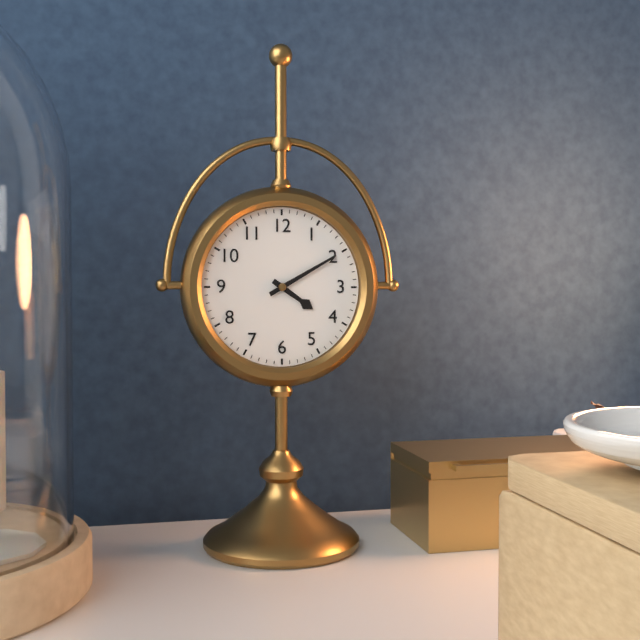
4.10
